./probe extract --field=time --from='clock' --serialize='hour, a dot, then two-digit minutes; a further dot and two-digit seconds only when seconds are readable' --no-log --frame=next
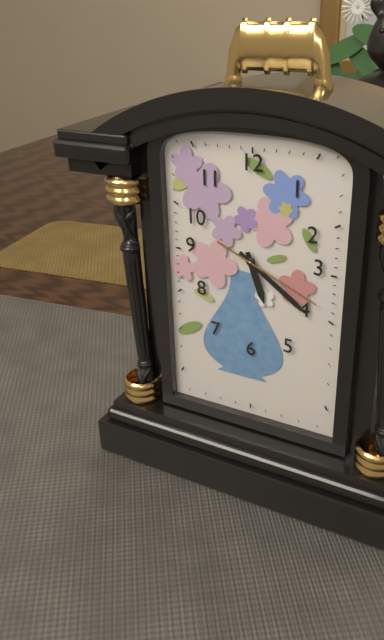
5.21.19
